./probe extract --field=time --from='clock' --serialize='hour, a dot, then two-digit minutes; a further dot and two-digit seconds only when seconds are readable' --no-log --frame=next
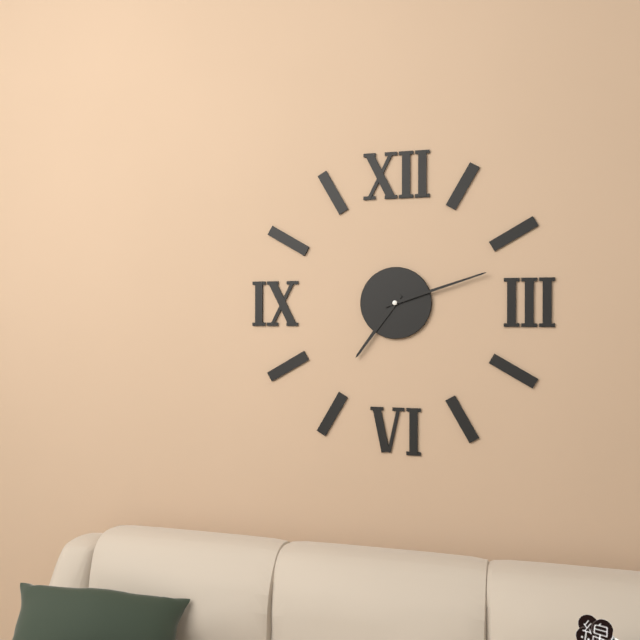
7.12
